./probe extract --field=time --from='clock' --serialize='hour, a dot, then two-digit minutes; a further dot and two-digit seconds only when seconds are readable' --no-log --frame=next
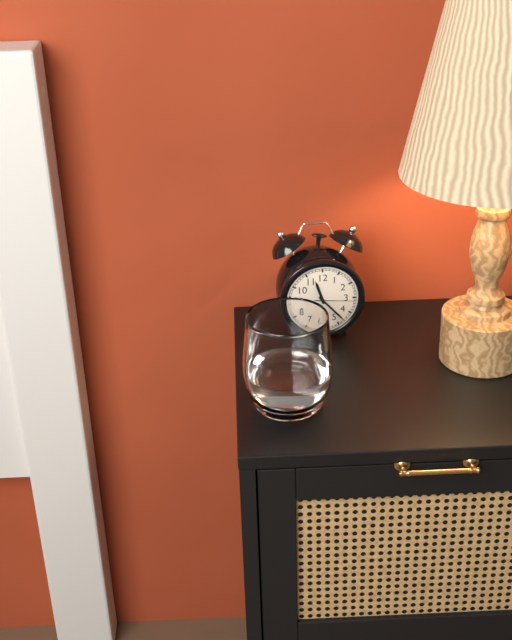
11.23
